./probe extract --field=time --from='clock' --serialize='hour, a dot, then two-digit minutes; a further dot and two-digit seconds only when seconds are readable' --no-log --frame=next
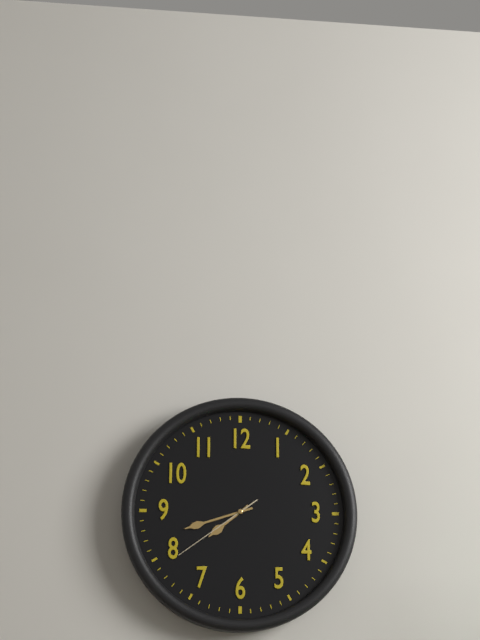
7.42.39
